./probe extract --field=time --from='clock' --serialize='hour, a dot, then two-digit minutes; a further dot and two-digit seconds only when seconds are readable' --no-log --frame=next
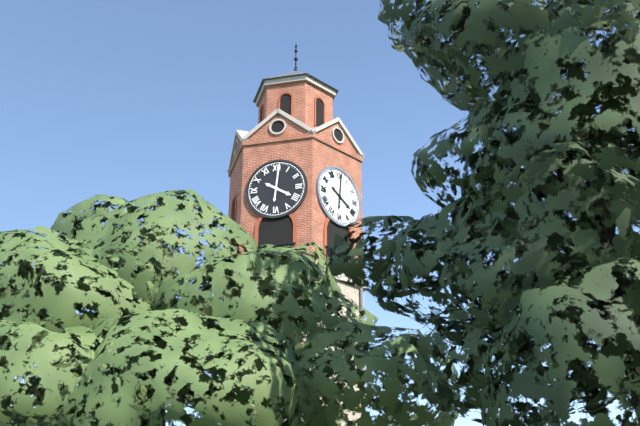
4.01
